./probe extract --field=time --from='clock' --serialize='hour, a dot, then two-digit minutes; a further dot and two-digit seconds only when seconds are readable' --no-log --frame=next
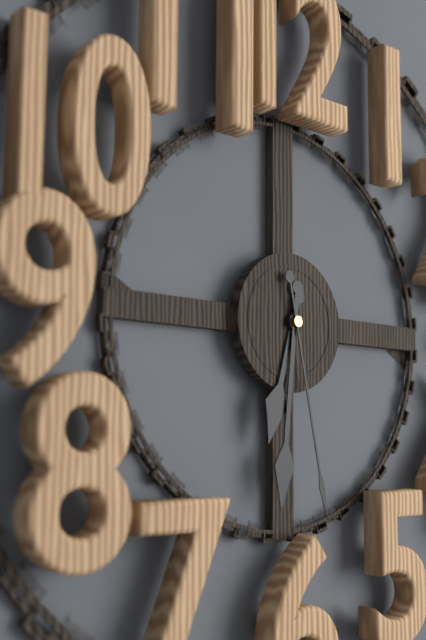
6.31.28
